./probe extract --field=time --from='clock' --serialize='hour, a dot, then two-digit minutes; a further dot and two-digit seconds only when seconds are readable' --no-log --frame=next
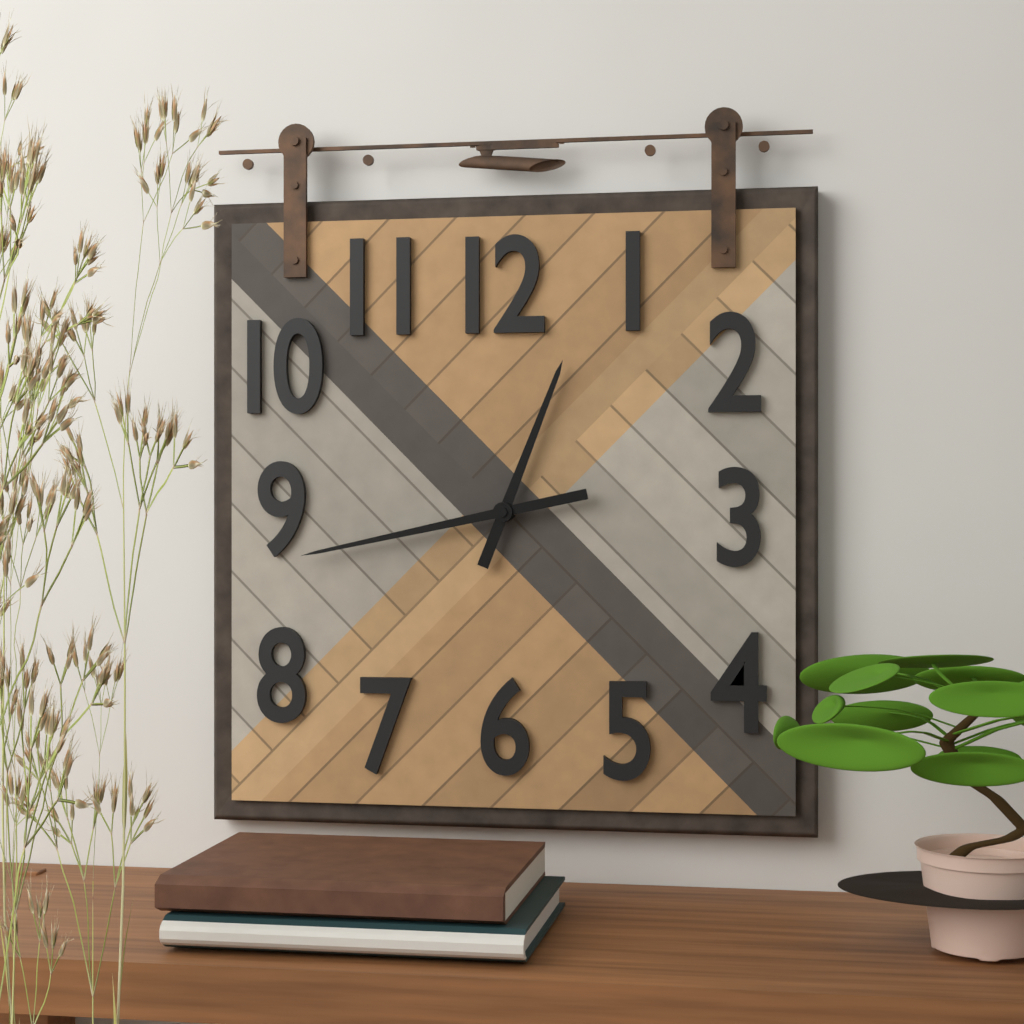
12.43
